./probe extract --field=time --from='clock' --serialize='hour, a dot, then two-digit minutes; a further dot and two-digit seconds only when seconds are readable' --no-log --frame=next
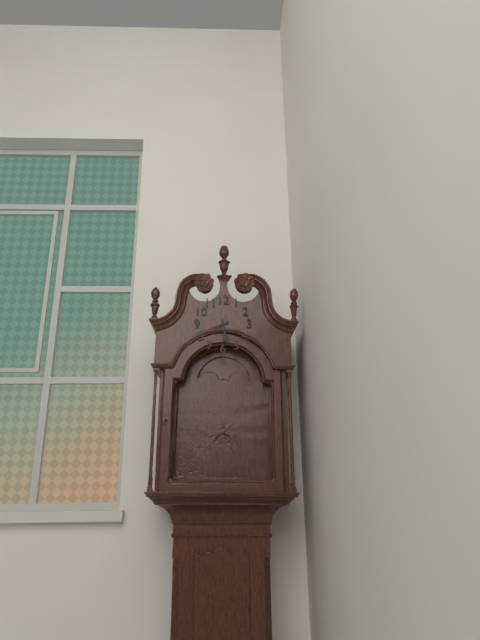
5.41
